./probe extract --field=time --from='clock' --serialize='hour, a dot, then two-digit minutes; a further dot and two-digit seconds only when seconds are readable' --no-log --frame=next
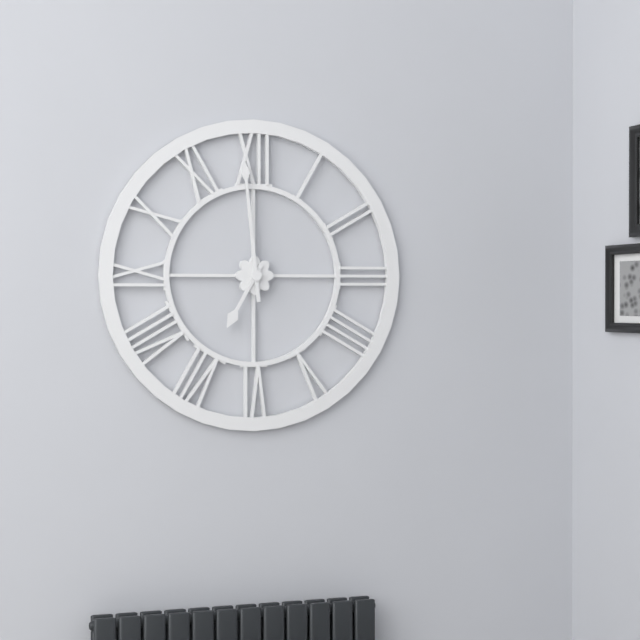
6.59
